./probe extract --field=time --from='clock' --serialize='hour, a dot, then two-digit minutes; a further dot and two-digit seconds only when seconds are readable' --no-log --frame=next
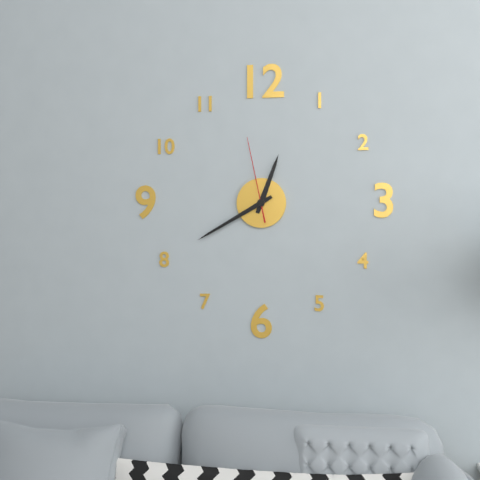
12.40.58
